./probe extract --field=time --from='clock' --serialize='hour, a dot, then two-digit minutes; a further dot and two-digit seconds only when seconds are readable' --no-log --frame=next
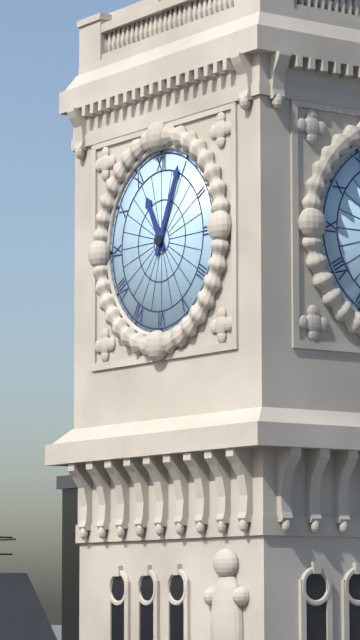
11.04
